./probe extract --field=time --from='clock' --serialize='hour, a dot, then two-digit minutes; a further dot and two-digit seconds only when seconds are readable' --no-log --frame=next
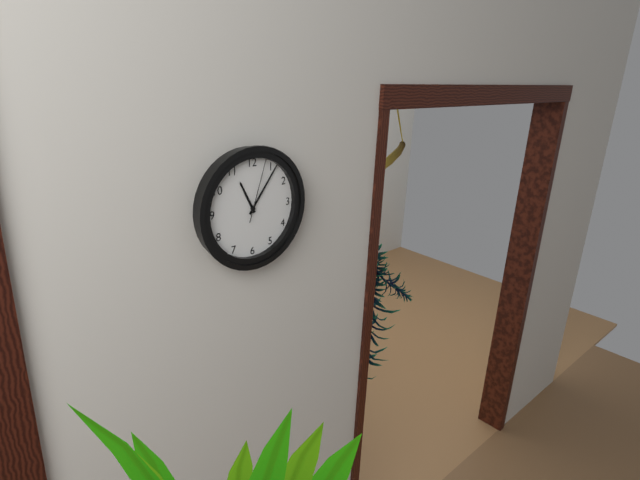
11.06.03
